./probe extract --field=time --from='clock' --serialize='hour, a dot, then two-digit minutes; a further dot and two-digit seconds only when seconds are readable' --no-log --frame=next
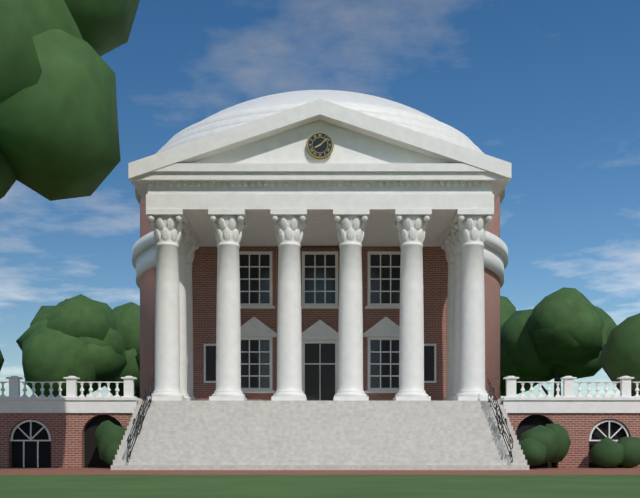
8.08
